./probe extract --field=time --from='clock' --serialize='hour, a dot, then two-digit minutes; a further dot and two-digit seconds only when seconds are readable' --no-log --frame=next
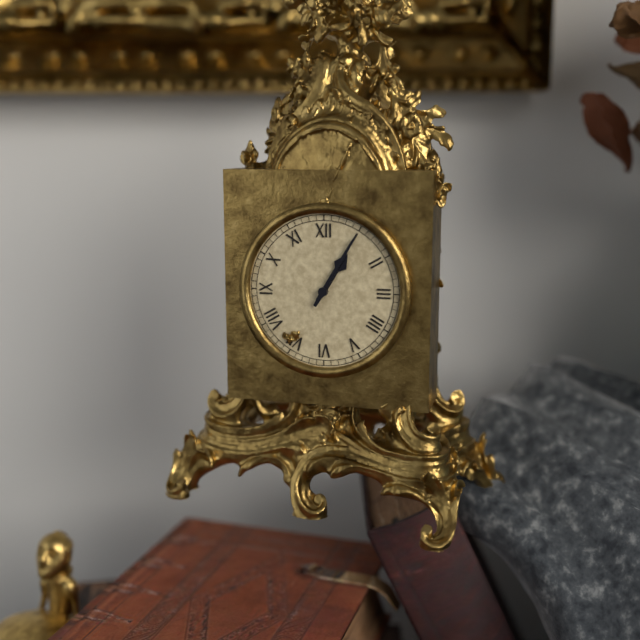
1.05
